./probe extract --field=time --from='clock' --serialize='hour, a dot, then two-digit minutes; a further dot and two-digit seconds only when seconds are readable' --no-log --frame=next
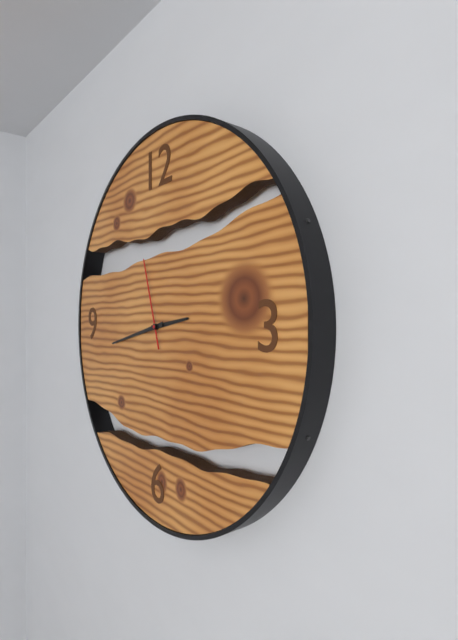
2.43.57
